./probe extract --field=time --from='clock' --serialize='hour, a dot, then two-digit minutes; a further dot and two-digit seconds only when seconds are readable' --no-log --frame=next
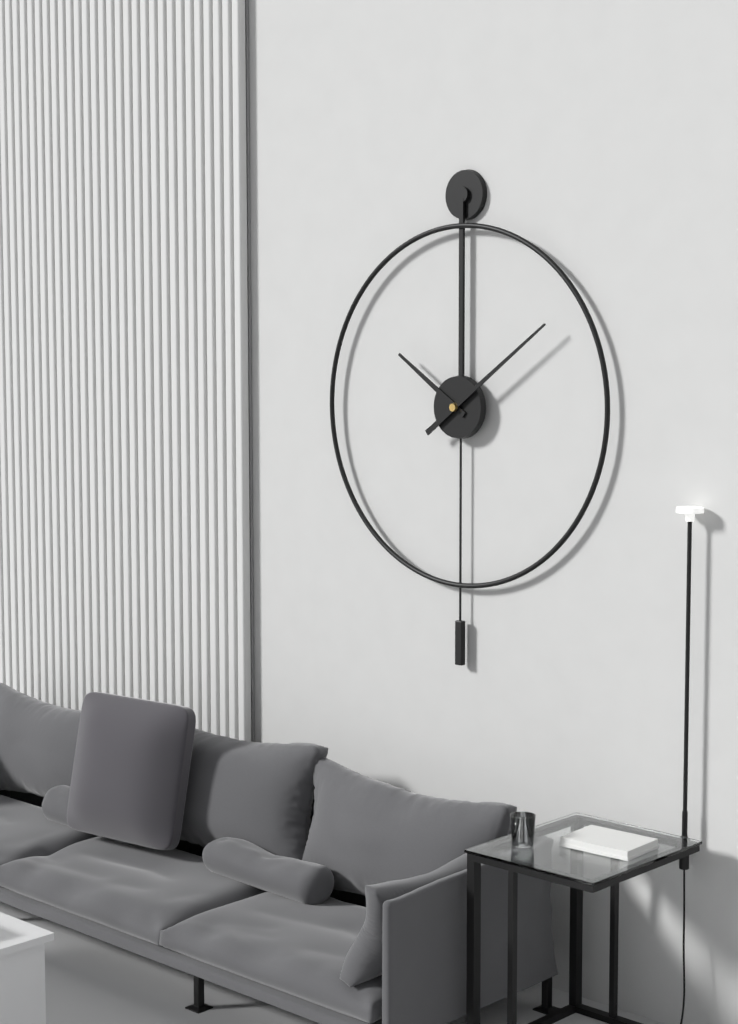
10.09
